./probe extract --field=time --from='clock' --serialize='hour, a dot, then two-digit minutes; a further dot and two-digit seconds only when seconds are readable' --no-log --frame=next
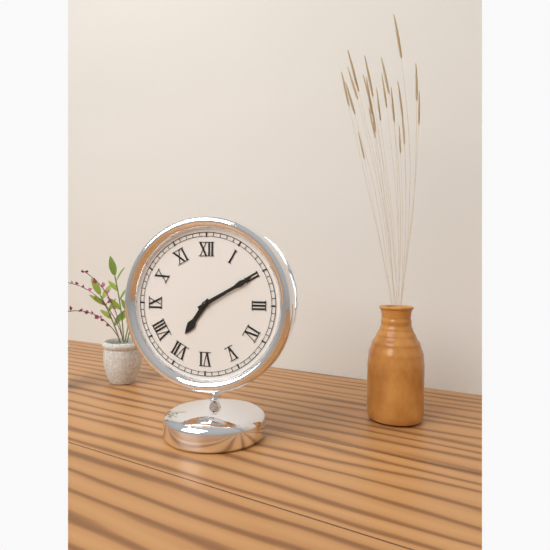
7.10
